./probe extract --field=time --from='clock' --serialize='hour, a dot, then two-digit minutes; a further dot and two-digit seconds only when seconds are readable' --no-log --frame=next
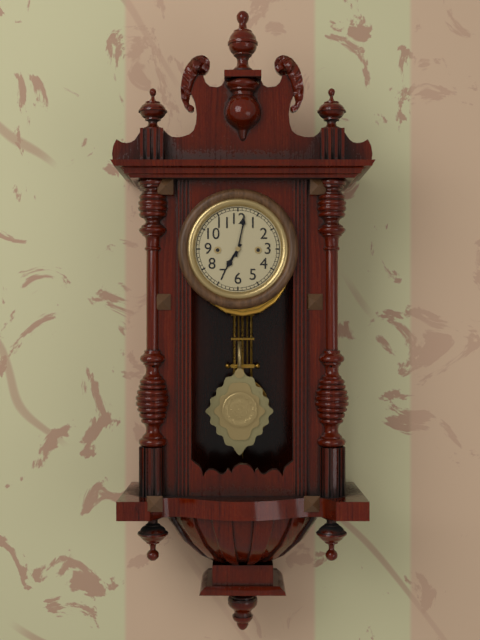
7.02
